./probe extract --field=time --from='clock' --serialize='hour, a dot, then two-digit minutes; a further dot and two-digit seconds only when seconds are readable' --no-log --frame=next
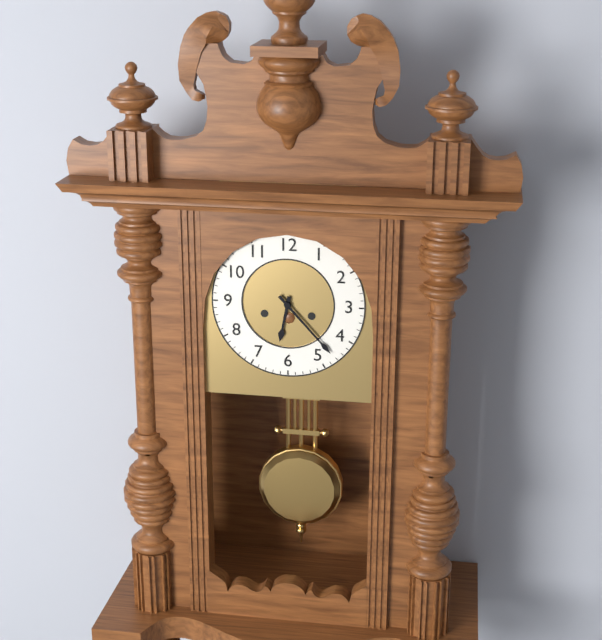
6.23
